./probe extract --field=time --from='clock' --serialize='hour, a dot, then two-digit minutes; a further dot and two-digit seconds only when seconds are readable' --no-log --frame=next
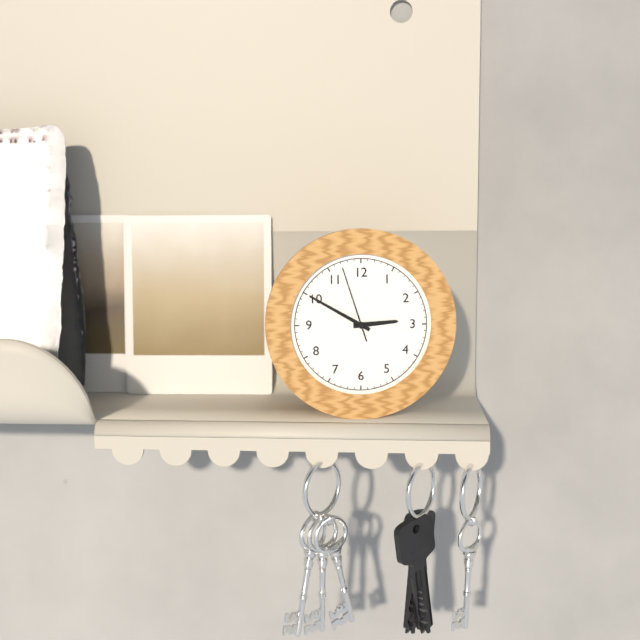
2.50.57
